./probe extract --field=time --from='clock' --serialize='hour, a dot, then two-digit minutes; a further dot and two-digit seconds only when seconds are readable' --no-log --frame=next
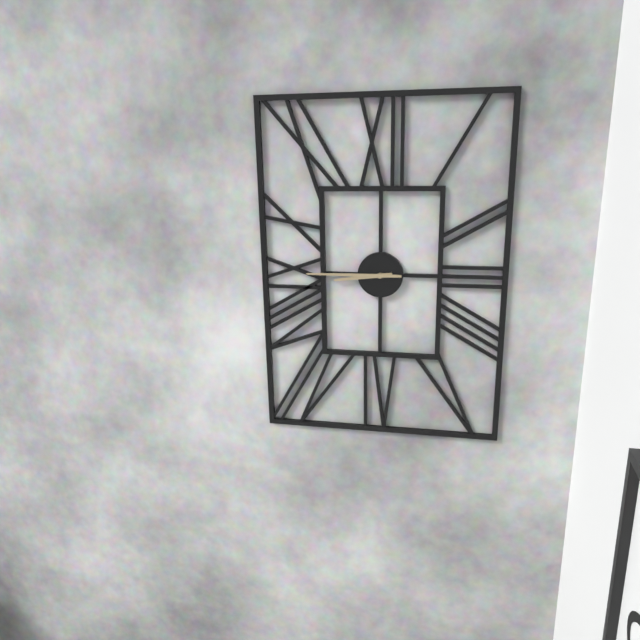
8.45
